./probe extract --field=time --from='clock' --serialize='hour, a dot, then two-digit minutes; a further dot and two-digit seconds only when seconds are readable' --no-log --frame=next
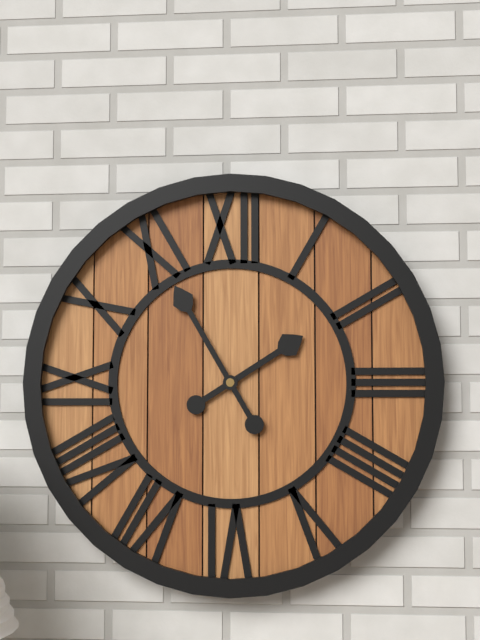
1.55
